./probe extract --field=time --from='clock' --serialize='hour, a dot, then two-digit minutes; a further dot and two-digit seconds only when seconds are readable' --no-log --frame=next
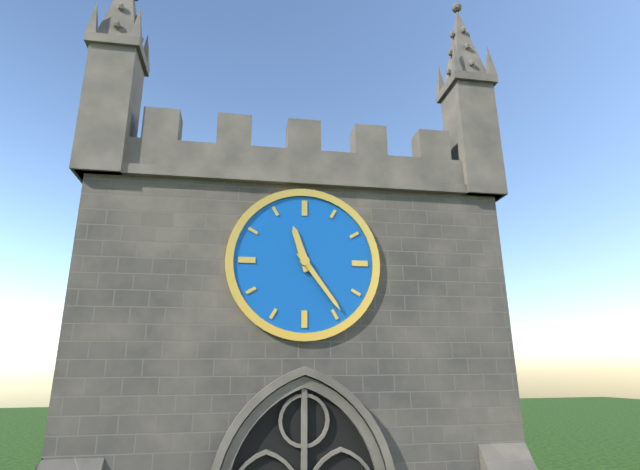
11.24
